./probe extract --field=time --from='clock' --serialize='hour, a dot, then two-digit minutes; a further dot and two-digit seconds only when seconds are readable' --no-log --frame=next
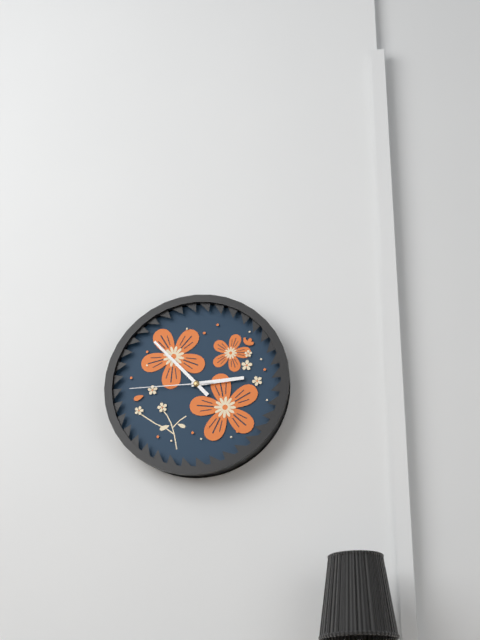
2.53.45
